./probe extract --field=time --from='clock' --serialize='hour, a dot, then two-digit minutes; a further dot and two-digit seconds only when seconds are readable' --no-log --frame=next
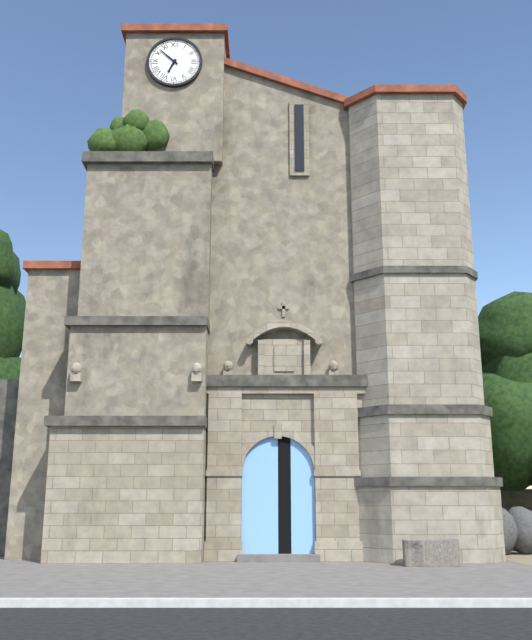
6.52
